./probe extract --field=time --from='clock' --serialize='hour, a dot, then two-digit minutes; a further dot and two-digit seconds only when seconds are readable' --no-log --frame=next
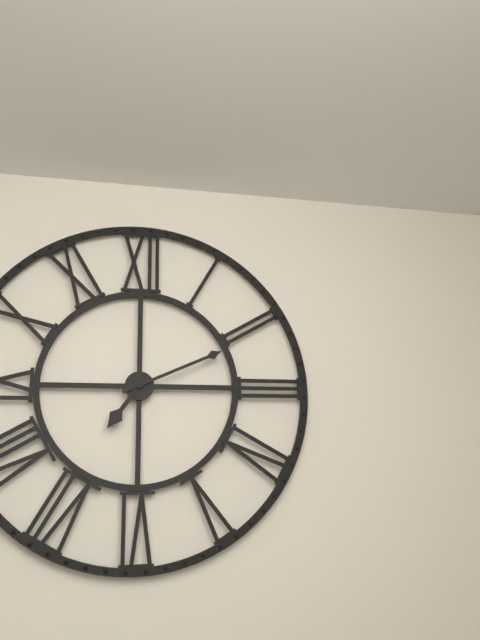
7.11
